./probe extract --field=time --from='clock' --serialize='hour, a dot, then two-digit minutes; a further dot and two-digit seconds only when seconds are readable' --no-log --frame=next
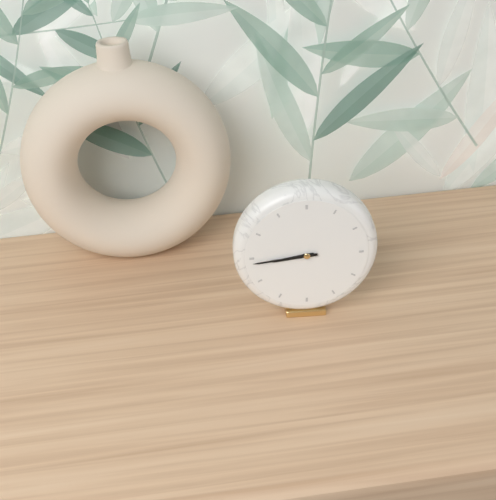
8.44
